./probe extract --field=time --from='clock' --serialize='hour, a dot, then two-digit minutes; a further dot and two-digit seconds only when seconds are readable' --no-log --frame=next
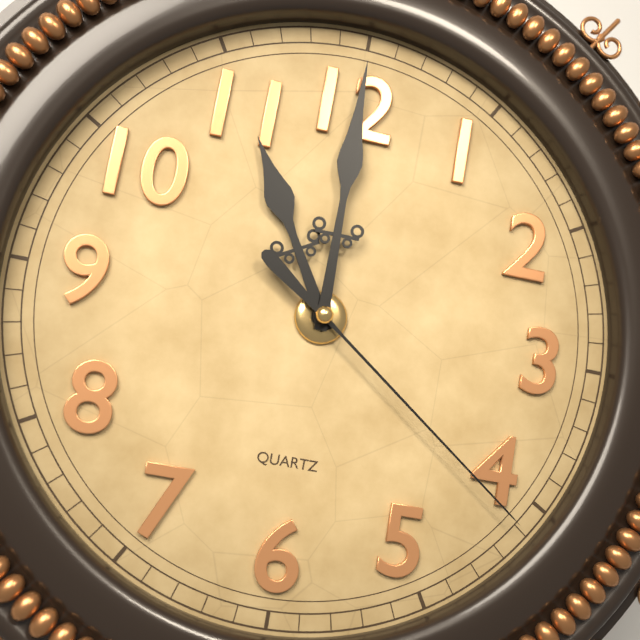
11.00.21
